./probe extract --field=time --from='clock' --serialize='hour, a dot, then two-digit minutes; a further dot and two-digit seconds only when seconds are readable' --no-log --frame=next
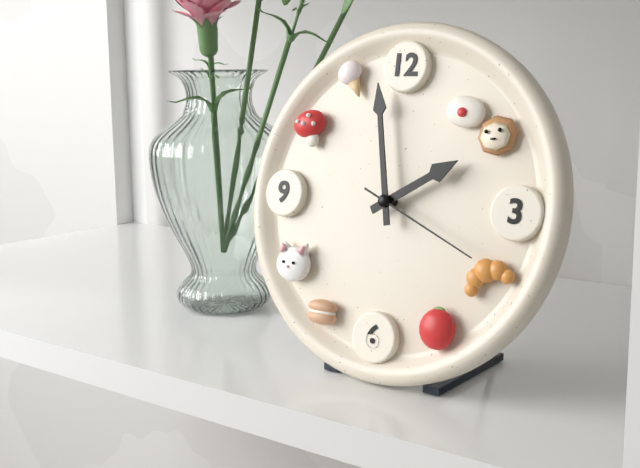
1.58.19
